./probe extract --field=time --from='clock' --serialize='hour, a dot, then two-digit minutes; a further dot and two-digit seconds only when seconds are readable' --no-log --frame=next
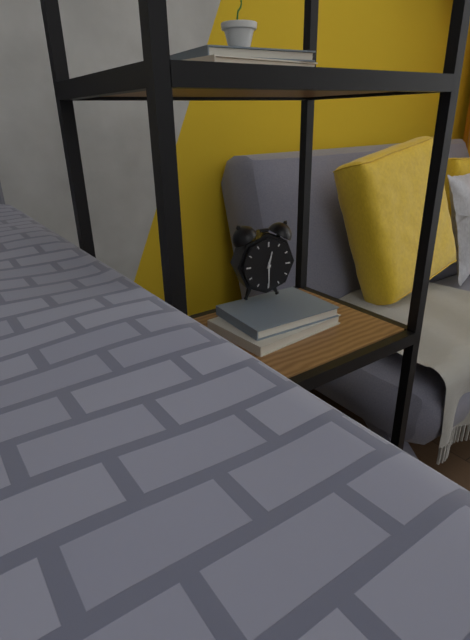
12.30
